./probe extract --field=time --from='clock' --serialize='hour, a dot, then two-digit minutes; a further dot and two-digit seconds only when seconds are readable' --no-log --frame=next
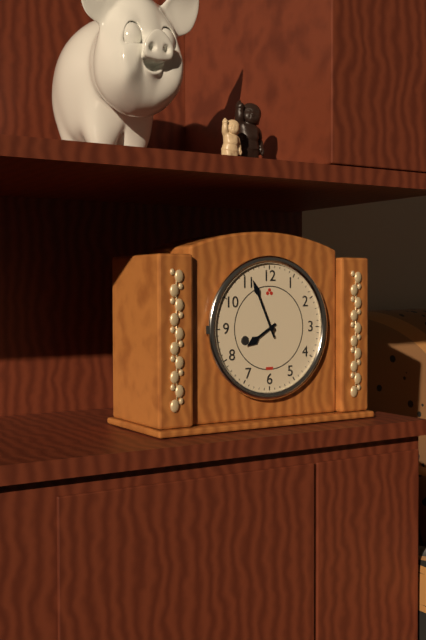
7.56
